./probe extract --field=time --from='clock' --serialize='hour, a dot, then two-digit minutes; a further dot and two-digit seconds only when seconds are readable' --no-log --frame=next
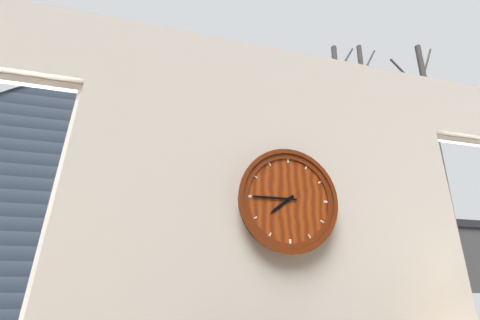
7.45
